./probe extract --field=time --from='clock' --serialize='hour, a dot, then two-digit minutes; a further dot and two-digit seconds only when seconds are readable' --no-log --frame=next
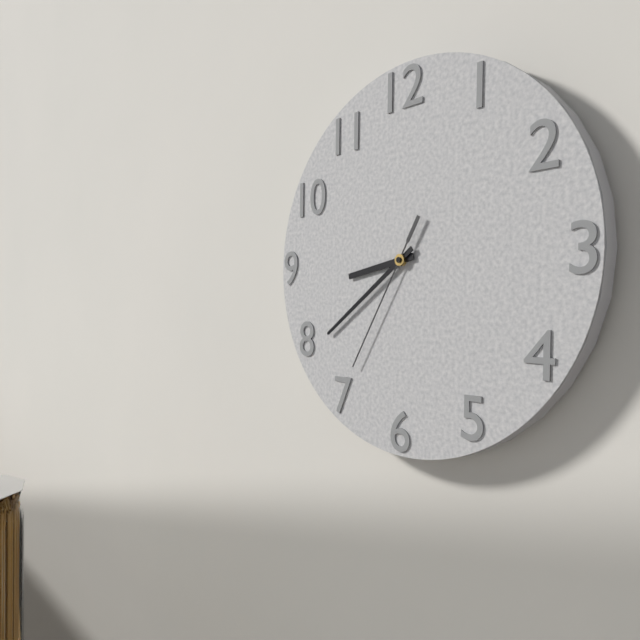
8.39.35
